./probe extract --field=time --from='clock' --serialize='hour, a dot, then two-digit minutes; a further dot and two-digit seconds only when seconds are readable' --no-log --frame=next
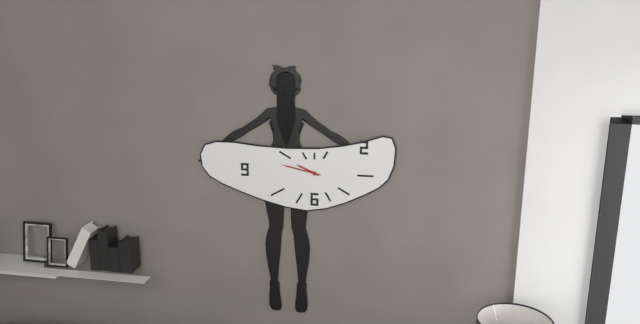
9.47
